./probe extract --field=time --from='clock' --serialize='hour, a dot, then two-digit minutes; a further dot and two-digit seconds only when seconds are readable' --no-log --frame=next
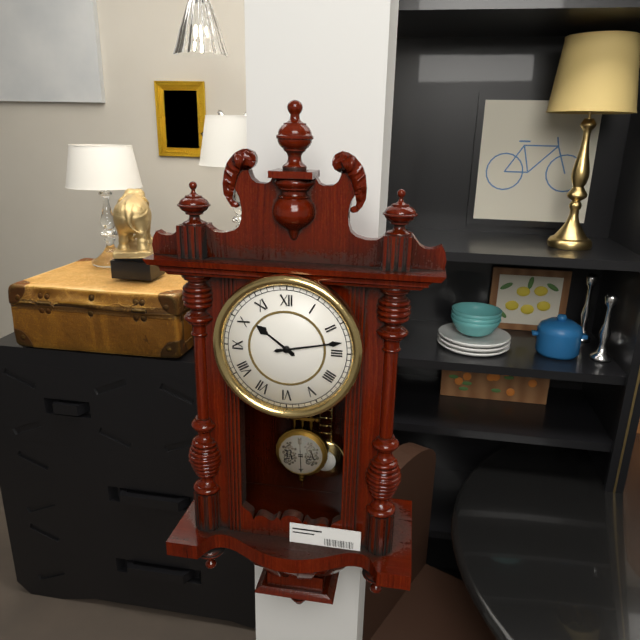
10.13
